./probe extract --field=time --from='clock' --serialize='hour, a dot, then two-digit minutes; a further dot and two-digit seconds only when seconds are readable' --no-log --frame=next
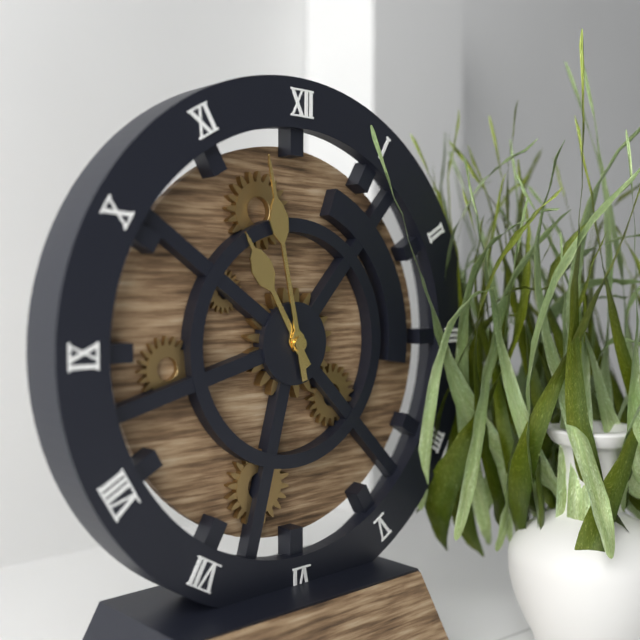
10.58
